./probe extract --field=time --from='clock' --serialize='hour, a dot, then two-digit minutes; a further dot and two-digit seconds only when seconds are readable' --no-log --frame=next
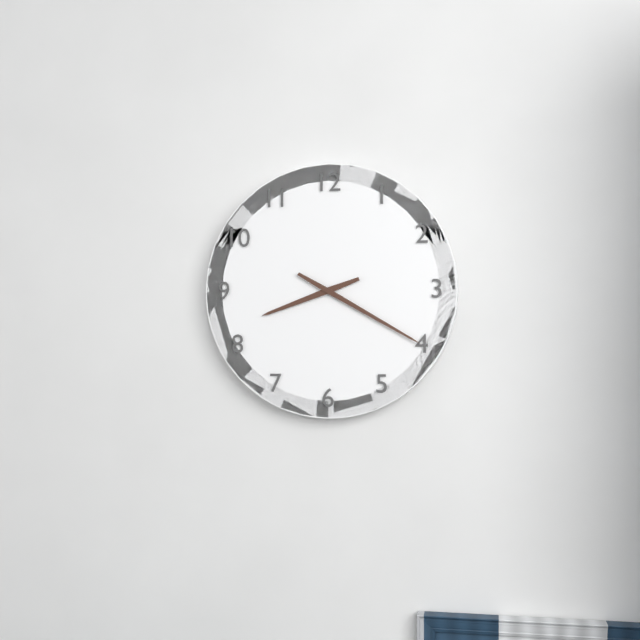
8.20
